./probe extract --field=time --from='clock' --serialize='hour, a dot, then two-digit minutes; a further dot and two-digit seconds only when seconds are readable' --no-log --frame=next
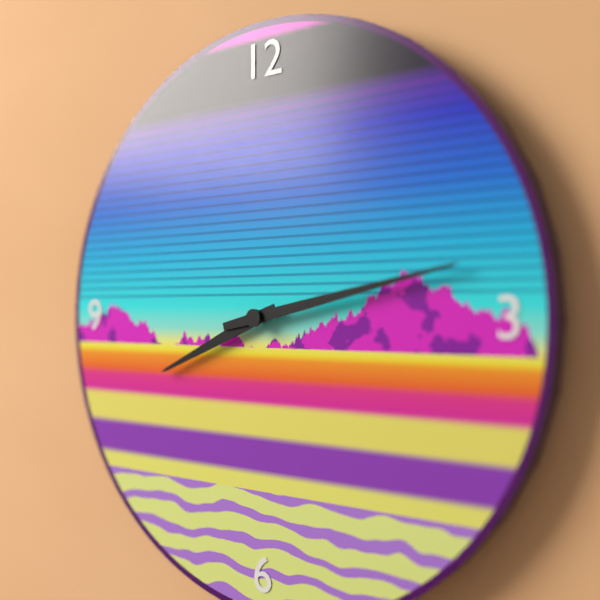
8.13
